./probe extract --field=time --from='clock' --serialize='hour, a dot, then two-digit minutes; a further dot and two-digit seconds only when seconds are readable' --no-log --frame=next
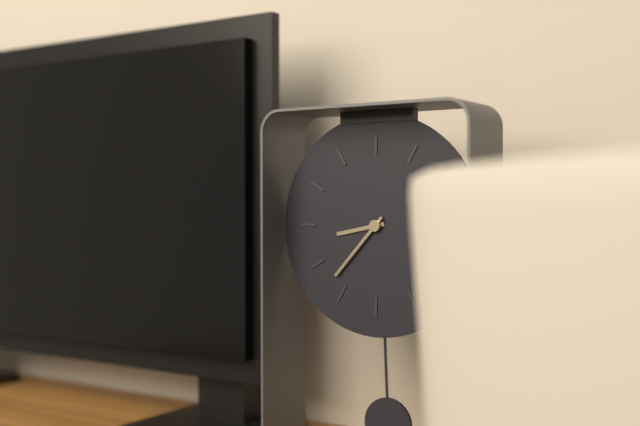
8.37
